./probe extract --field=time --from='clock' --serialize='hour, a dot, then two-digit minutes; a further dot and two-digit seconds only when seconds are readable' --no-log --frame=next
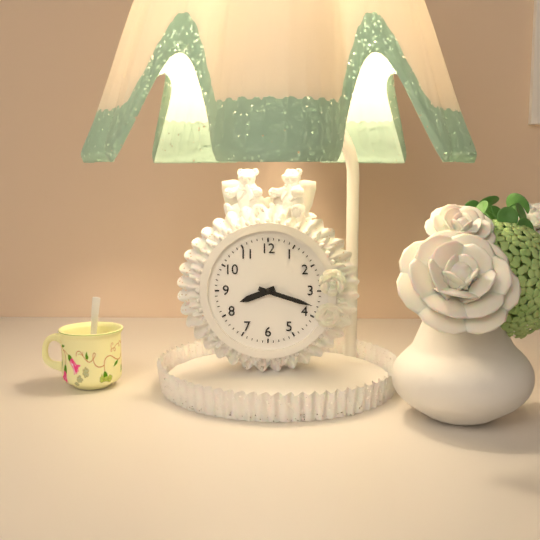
8.18
